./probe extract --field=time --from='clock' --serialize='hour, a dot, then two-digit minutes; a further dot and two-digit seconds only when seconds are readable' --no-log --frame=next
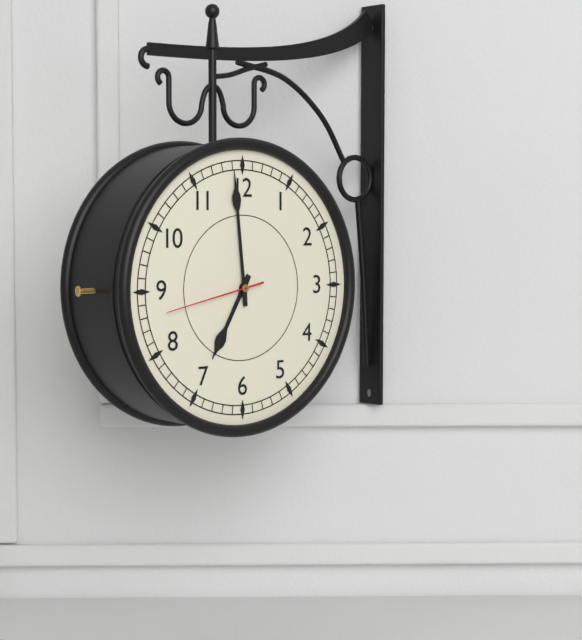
6.59.43
